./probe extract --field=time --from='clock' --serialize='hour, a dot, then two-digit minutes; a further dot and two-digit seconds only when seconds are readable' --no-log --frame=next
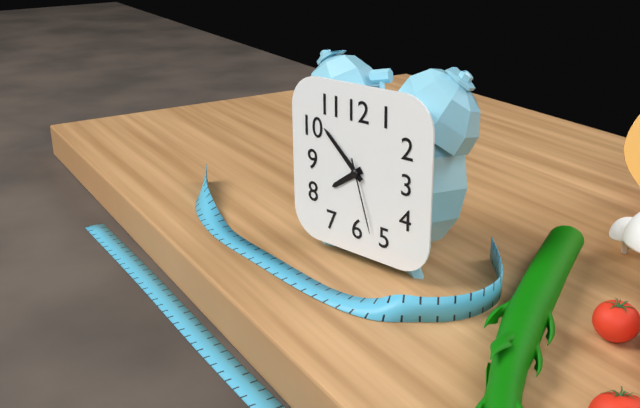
7.52.27
